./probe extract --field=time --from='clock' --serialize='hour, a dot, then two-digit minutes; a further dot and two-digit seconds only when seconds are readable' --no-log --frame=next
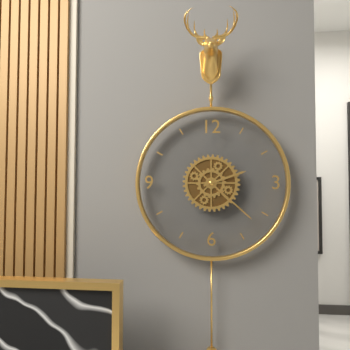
2.22
